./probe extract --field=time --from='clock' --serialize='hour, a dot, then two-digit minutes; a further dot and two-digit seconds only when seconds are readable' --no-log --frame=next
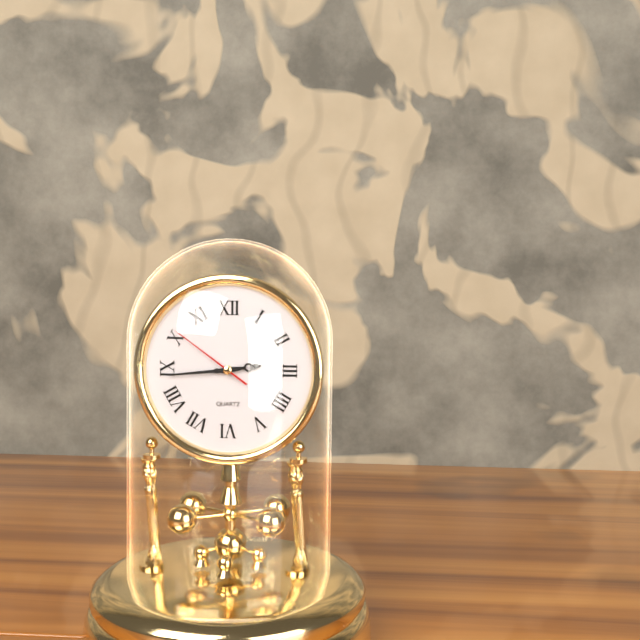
2.44.51
